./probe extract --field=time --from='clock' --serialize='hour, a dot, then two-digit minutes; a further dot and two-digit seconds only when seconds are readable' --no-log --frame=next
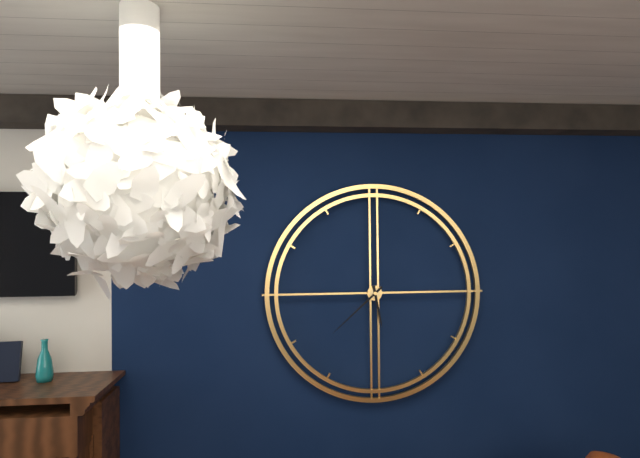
5.38
